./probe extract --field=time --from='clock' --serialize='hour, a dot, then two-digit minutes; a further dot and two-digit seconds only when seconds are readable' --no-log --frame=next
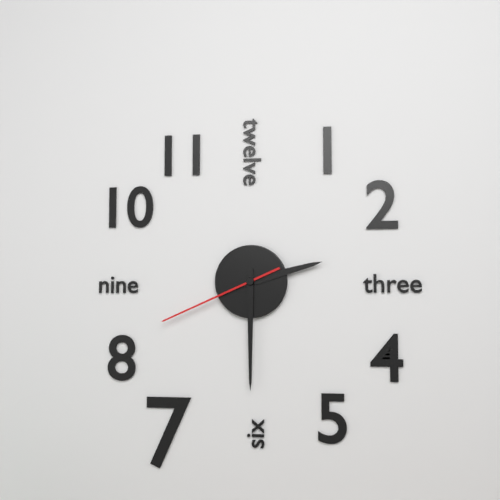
2.30.41
